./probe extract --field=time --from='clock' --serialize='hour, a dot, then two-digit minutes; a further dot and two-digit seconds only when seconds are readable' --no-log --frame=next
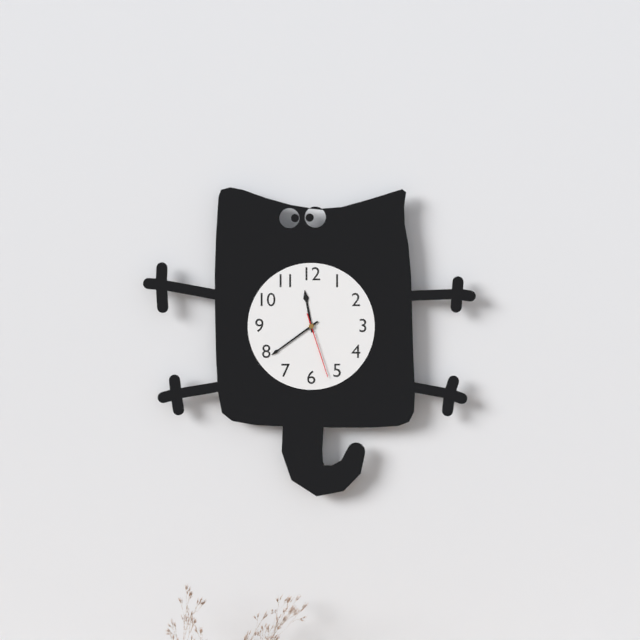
11.39.27
